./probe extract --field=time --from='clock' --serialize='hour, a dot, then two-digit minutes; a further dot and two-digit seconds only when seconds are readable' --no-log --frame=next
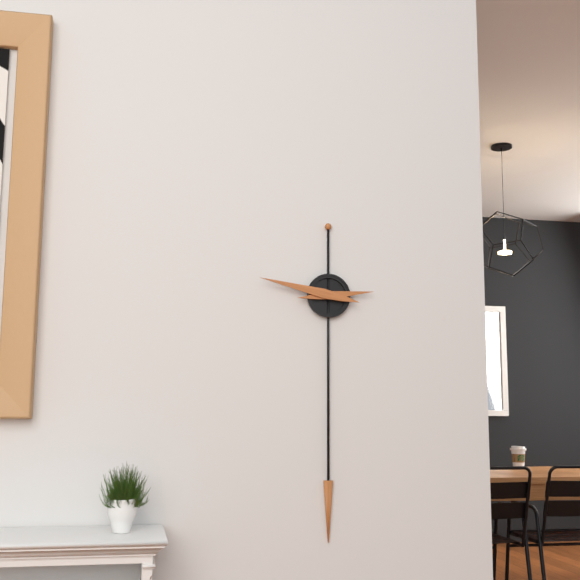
2.47
